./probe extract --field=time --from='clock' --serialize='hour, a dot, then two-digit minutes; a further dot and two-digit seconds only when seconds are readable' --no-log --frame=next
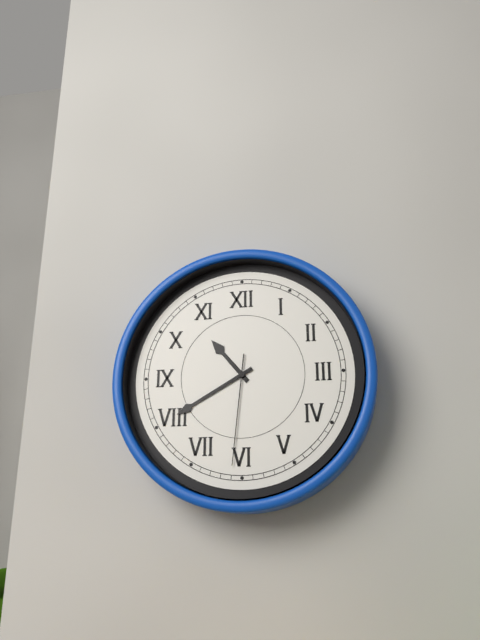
10.40.31
